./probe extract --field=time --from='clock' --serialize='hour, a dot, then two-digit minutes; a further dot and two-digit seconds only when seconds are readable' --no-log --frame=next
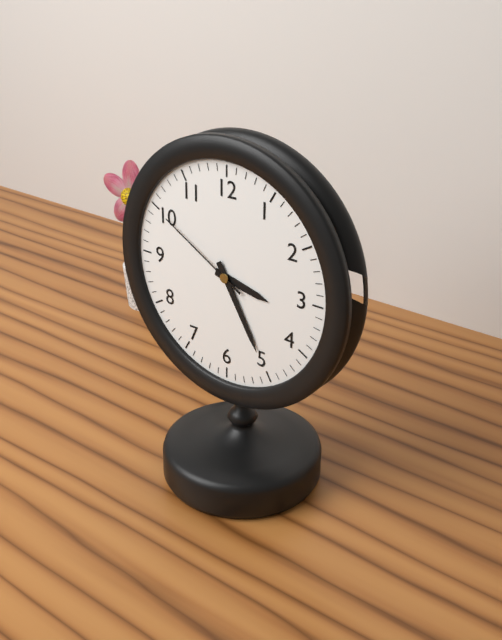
3.25.50
